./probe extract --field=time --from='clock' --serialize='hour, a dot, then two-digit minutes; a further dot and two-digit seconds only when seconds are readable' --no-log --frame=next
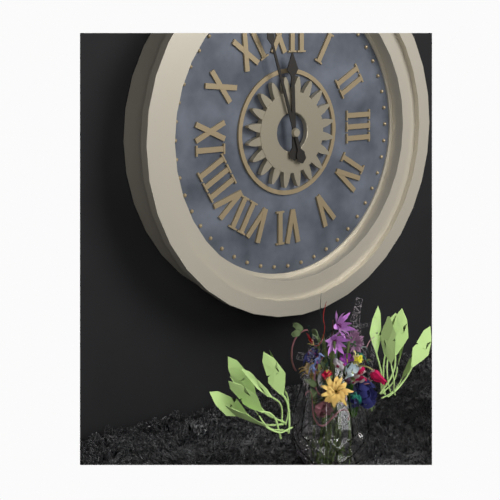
11.57
